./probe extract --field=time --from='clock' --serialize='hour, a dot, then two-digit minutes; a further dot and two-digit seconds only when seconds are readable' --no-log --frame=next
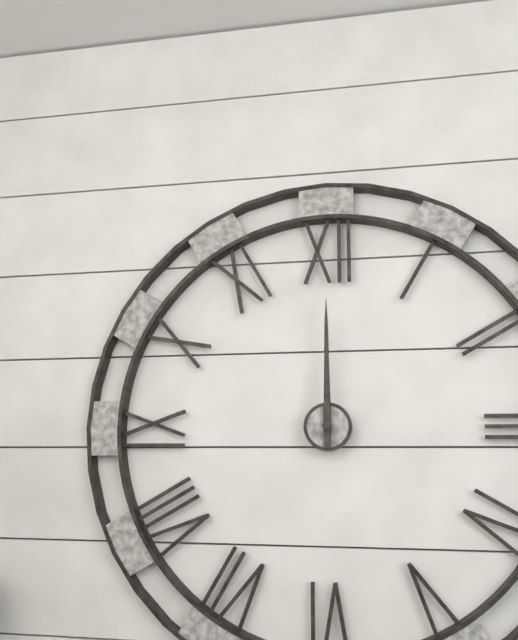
12.00
